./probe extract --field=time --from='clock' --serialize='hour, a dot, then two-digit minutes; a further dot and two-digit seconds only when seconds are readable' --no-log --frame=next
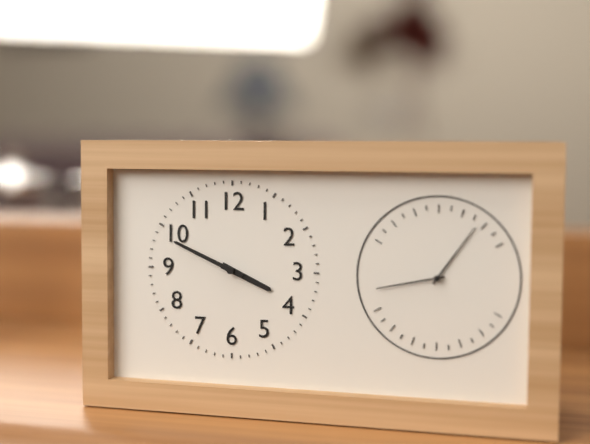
3.49
